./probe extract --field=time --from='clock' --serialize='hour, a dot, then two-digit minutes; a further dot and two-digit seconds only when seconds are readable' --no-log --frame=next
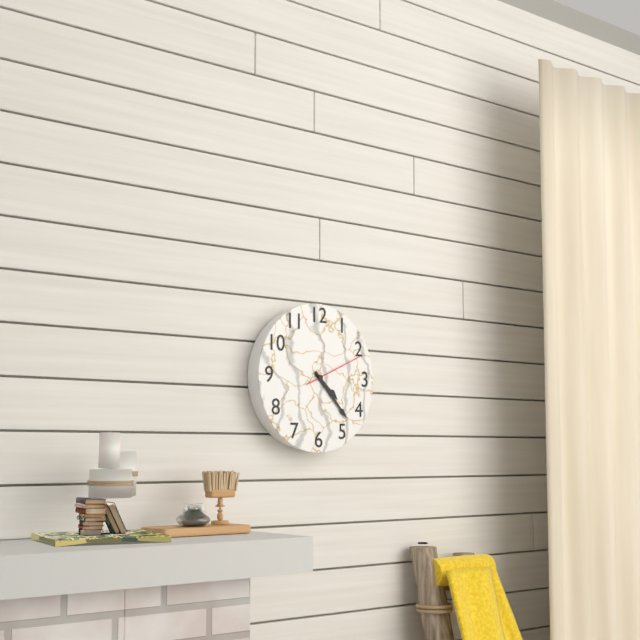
4.23.11
